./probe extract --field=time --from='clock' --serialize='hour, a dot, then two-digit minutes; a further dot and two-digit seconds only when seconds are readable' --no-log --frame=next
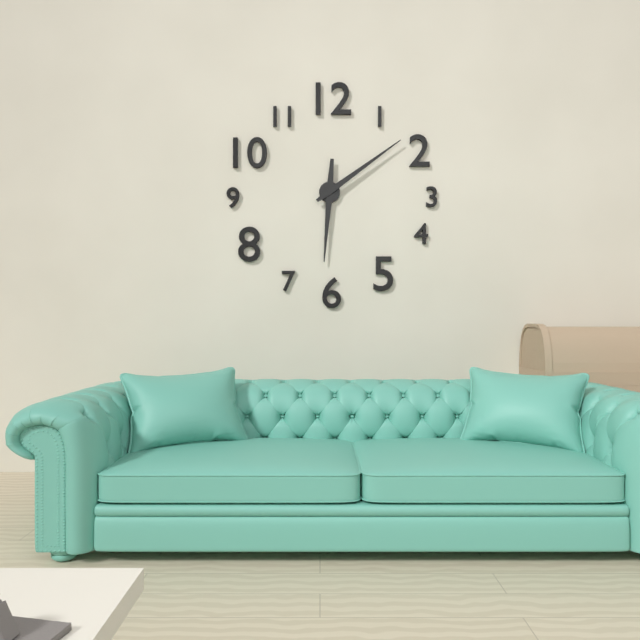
6.09
